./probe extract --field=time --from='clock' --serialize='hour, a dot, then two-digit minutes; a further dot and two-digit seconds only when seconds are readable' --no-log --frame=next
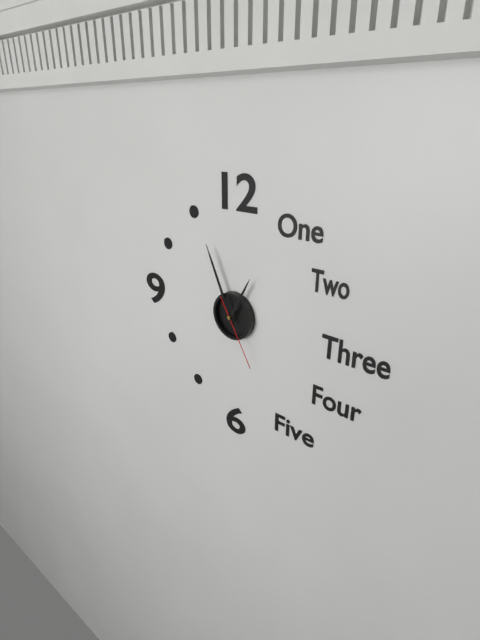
12.56.25
